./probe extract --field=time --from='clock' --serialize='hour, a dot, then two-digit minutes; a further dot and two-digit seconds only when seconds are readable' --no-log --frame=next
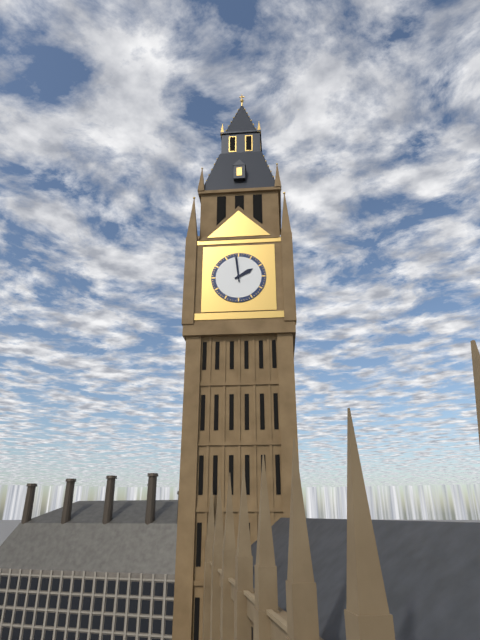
1.59
